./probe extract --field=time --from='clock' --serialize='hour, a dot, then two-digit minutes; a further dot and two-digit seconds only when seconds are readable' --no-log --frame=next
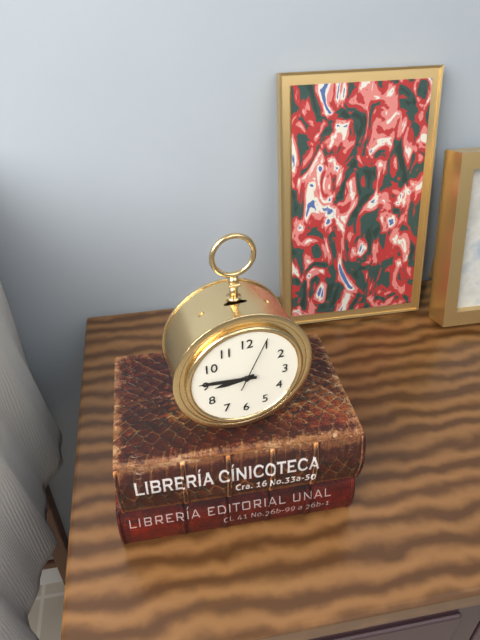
8.46.04
